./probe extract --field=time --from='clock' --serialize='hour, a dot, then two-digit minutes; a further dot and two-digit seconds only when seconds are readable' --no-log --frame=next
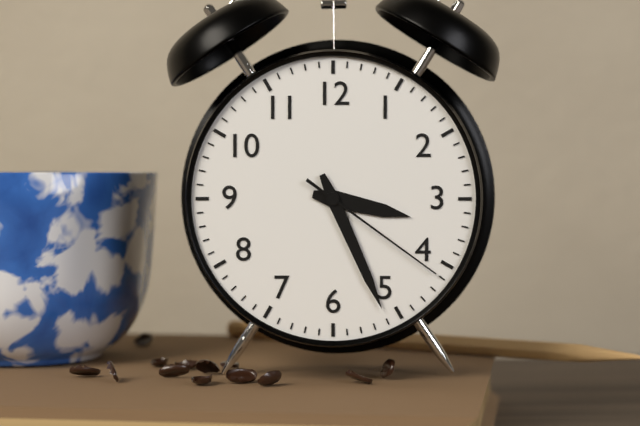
3.26.21
